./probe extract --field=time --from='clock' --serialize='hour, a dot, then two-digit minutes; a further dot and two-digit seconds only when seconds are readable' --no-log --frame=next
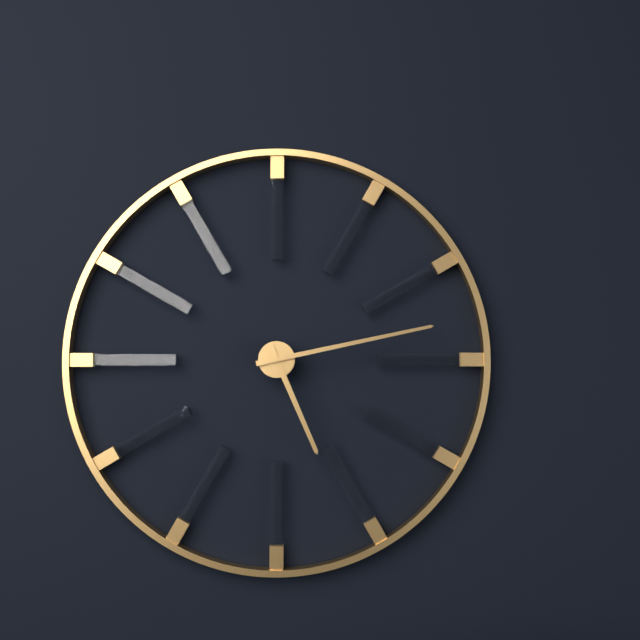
5.13
